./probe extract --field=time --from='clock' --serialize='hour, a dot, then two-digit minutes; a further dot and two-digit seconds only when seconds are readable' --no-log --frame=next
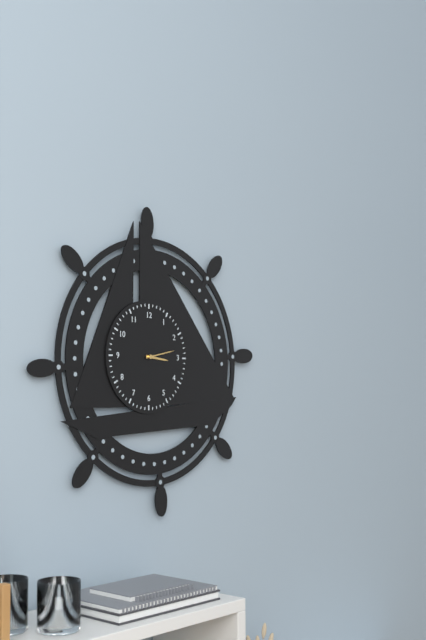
3.13
